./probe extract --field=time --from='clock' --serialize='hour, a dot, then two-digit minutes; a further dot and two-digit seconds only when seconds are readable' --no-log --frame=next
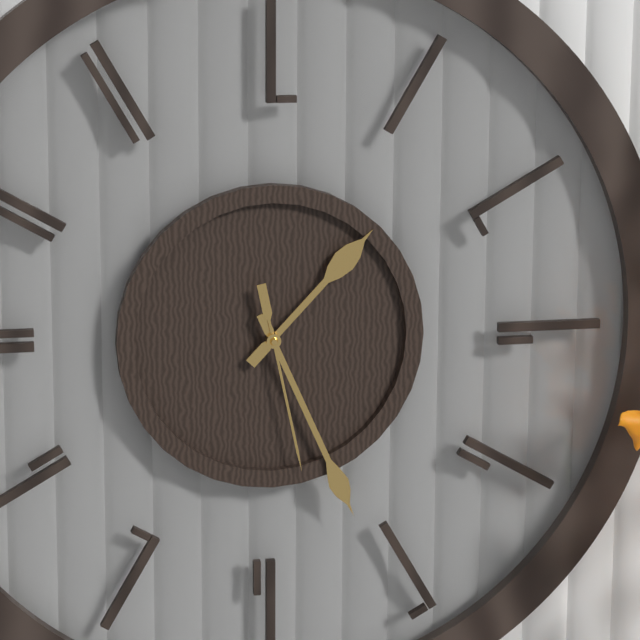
1.26.28
